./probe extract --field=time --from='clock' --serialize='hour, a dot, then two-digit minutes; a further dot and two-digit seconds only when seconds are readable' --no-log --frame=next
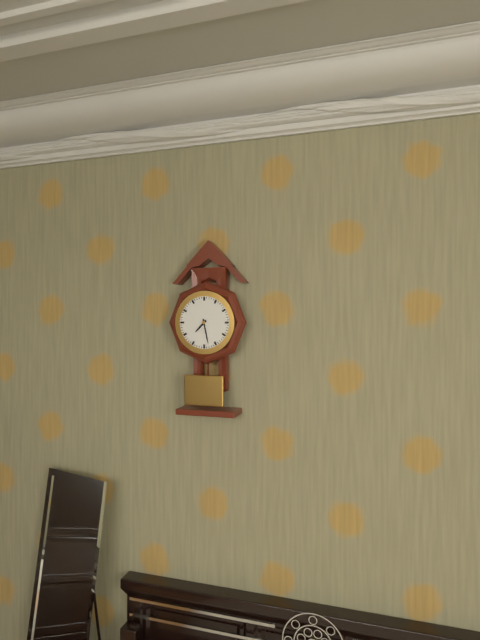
7.28
